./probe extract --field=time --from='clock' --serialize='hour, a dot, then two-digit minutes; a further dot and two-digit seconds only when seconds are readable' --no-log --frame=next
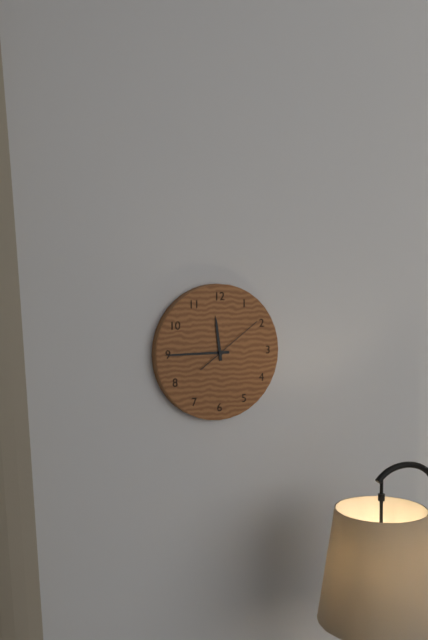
11.45.09
